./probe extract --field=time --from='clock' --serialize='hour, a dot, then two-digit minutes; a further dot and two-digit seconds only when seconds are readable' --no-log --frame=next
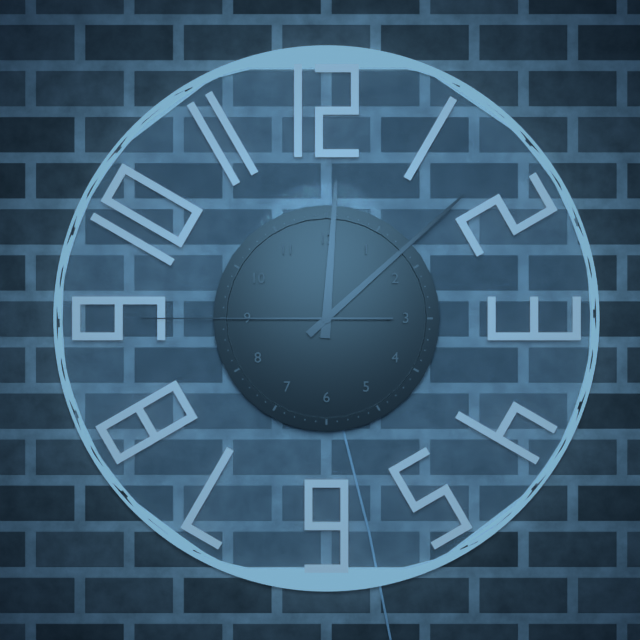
12.08.45
